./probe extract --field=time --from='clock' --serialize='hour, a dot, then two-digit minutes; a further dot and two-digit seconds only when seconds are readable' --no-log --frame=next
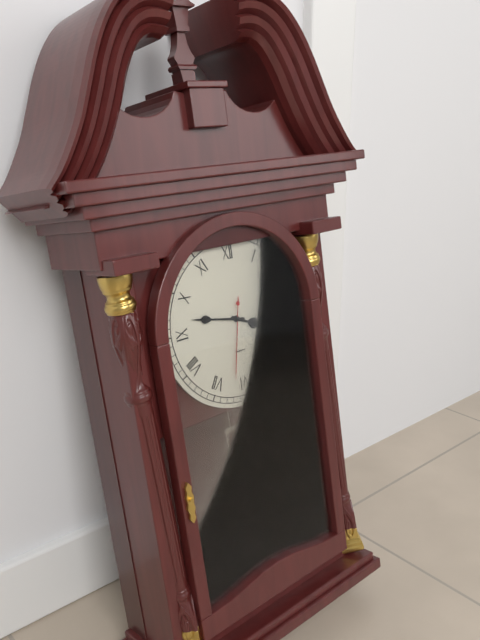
3.47.32
